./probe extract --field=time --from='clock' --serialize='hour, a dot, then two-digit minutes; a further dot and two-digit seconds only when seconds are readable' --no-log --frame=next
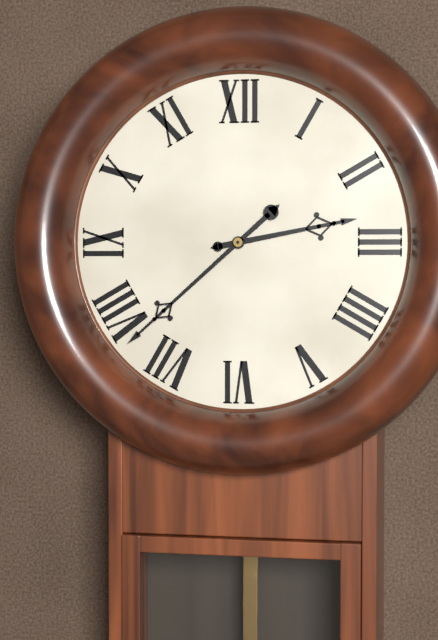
2.38
